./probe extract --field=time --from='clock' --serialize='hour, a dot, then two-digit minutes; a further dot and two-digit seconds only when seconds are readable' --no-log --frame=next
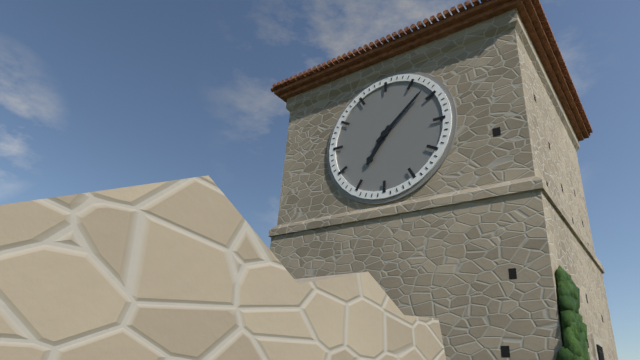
7.08
